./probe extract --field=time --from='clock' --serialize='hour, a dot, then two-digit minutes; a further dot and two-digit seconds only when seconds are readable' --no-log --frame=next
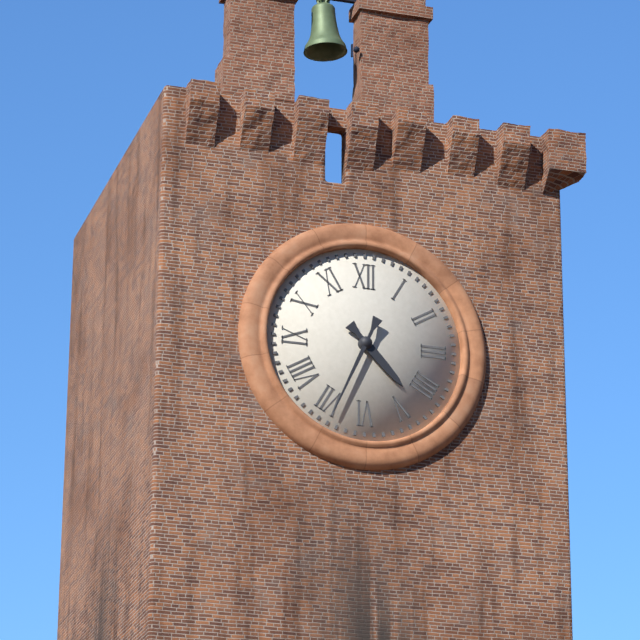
4.34
